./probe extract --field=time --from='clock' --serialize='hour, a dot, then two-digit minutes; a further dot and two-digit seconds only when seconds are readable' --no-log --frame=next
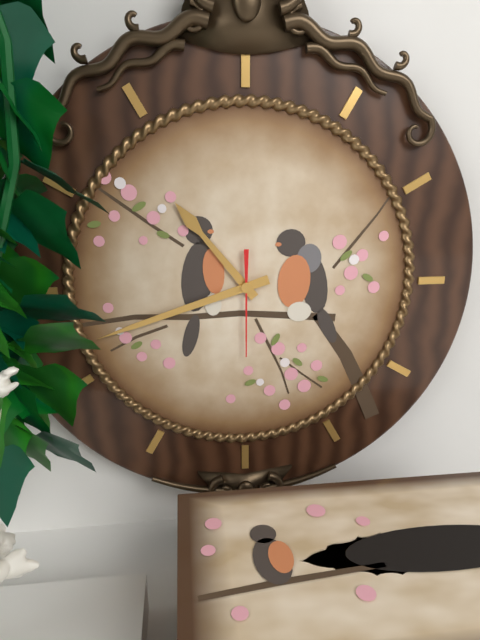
10.42.30
